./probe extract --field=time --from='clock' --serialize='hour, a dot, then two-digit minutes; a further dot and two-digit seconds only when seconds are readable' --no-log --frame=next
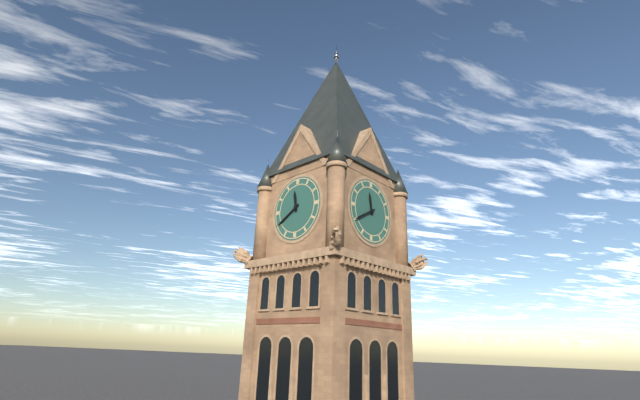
11.40
